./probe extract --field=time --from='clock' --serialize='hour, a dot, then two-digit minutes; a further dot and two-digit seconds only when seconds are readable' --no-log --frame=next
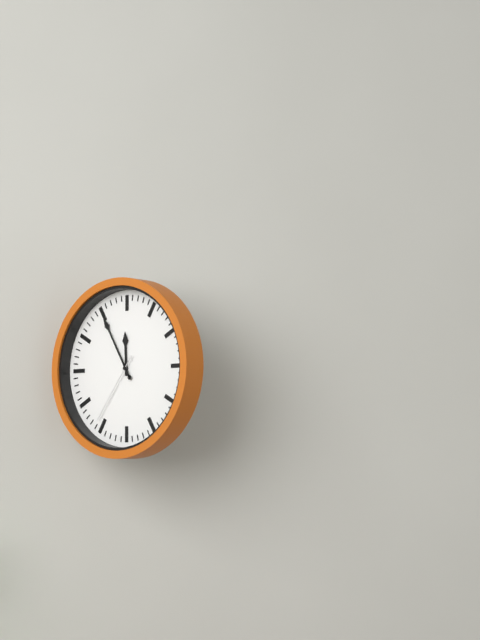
11.55.36
